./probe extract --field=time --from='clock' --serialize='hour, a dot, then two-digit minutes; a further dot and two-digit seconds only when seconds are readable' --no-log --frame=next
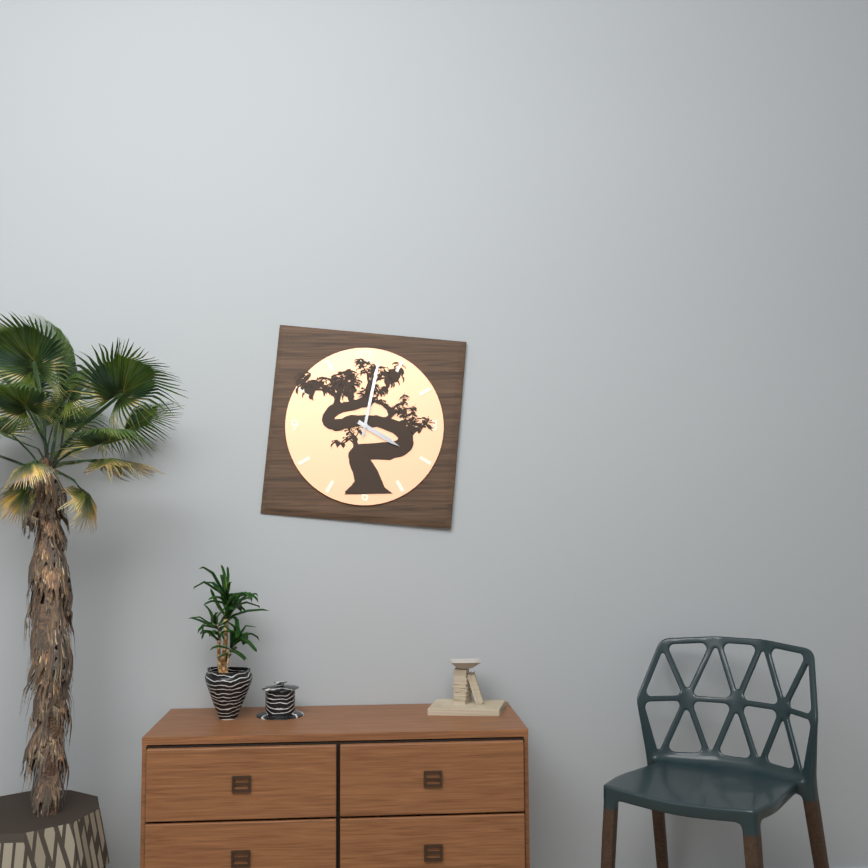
4.02
